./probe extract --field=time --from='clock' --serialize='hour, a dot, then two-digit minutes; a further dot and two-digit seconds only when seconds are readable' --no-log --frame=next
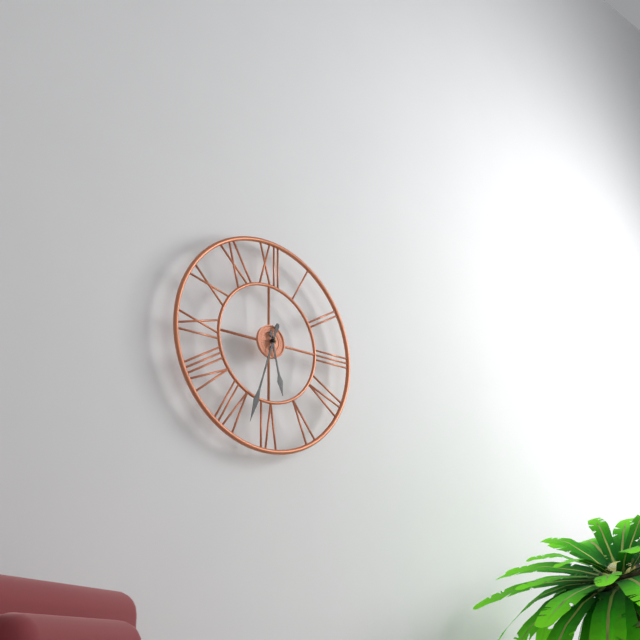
5.33
